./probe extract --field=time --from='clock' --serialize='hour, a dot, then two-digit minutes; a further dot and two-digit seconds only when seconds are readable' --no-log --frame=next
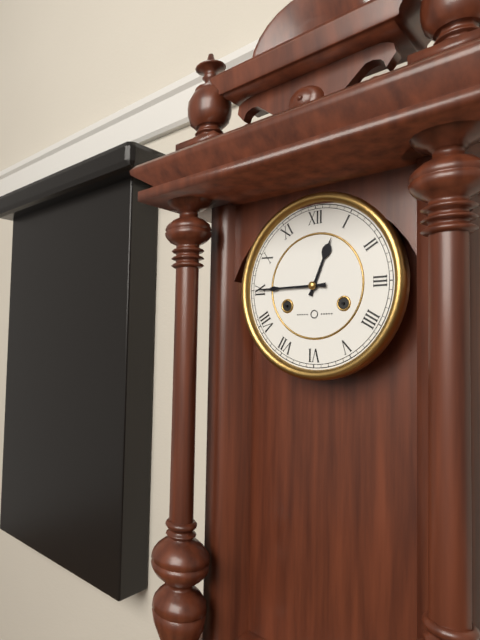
12.45
